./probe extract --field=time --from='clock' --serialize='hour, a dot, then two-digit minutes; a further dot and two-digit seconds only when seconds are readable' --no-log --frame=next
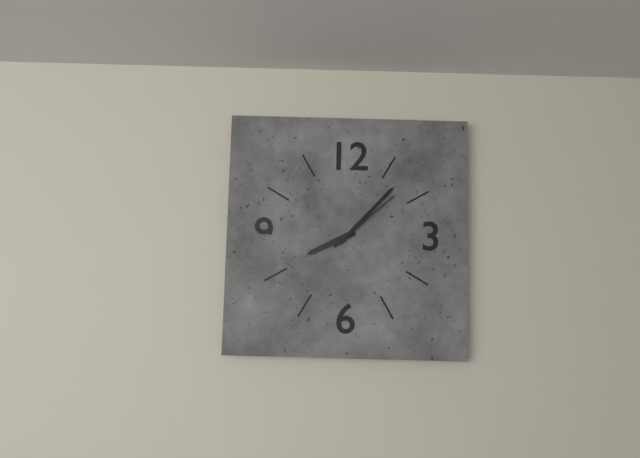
8.07.08
